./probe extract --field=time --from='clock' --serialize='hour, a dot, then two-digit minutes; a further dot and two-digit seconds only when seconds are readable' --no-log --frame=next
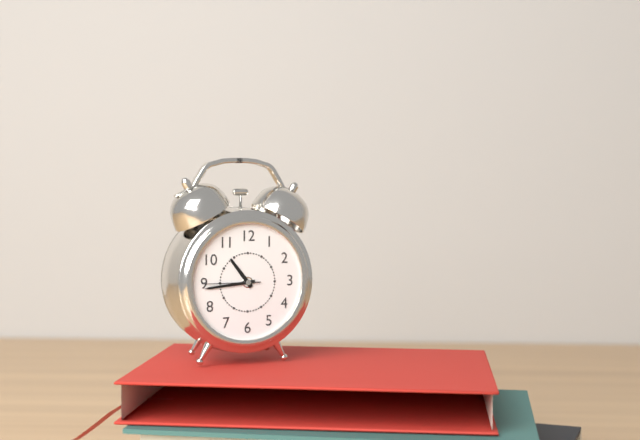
10.44.45
